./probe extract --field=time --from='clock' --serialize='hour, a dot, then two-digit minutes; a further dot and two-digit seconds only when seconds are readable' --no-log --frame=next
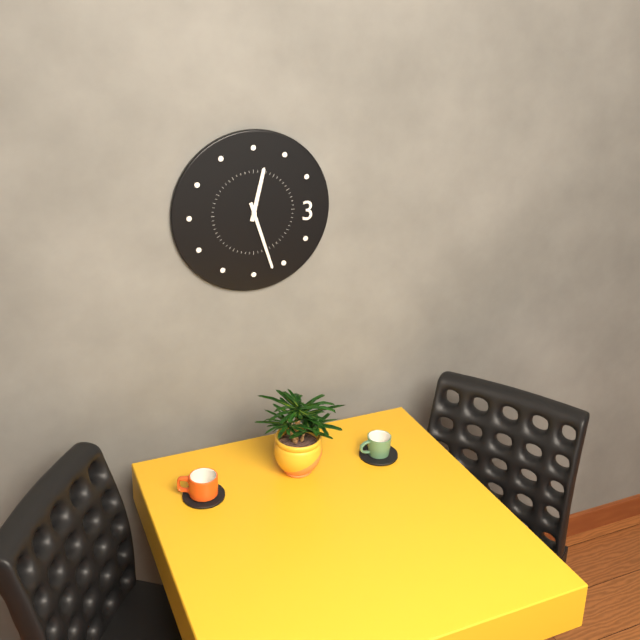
12.27
